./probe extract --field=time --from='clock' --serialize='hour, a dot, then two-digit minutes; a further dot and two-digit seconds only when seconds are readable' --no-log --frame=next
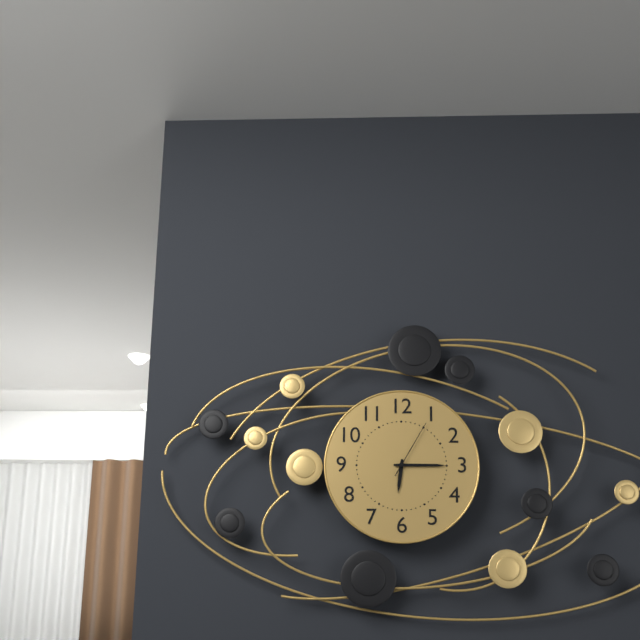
6.15.05
